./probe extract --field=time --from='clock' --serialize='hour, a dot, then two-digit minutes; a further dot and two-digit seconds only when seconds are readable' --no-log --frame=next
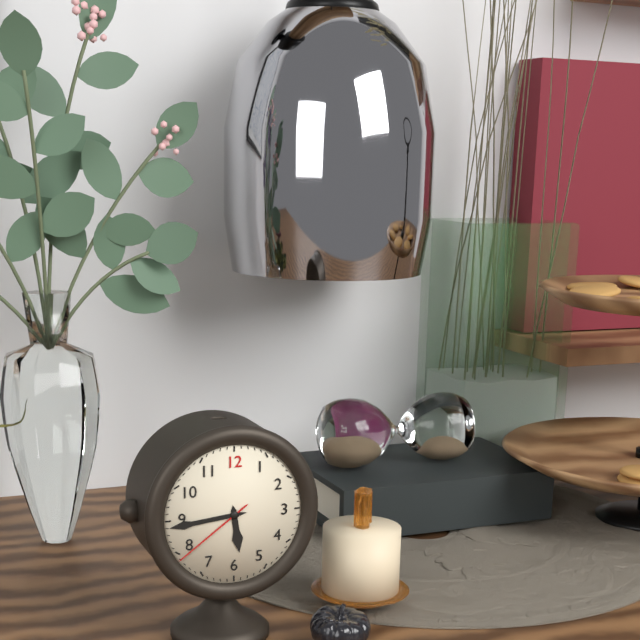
5.44.39
